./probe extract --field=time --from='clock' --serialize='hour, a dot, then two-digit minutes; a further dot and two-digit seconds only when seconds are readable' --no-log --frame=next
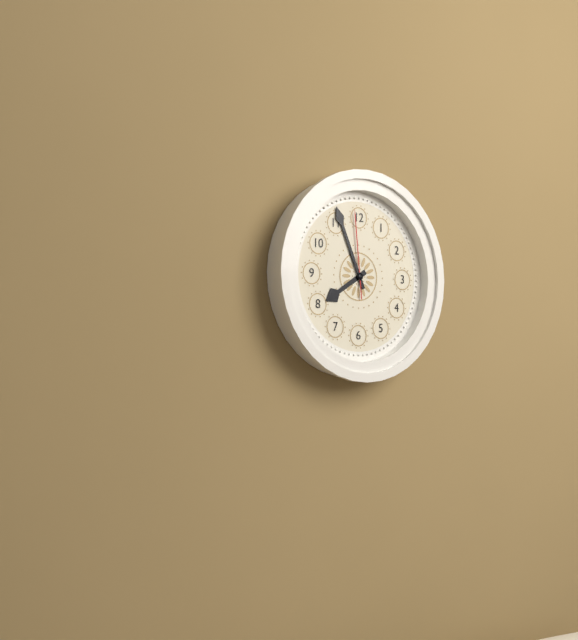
7.56.59
